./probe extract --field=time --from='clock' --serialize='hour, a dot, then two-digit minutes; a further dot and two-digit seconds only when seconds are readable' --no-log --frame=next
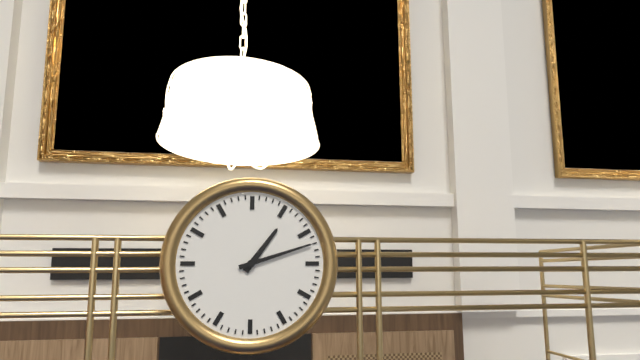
1.12
